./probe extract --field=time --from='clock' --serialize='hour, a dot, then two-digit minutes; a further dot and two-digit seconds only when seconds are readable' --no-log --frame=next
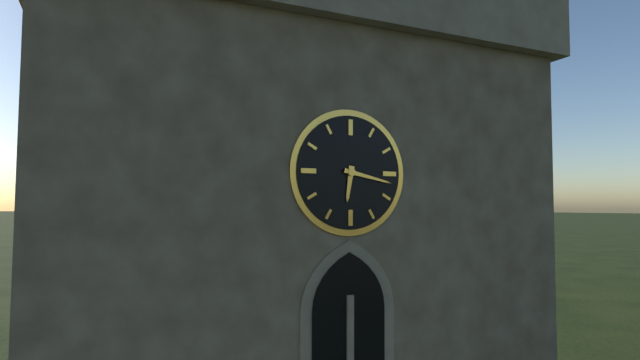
6.17
